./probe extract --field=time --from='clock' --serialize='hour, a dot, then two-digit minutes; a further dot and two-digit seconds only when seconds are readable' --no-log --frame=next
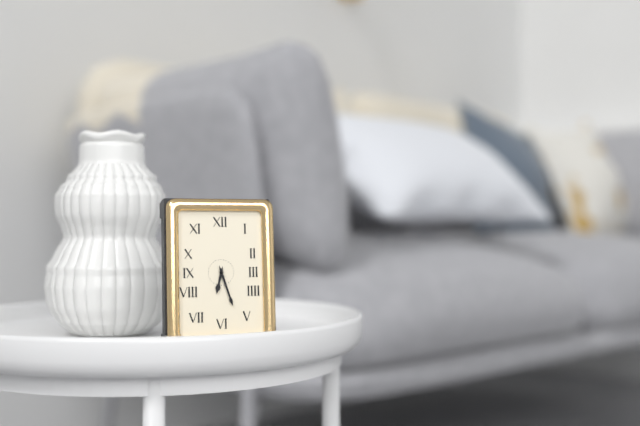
6.27
